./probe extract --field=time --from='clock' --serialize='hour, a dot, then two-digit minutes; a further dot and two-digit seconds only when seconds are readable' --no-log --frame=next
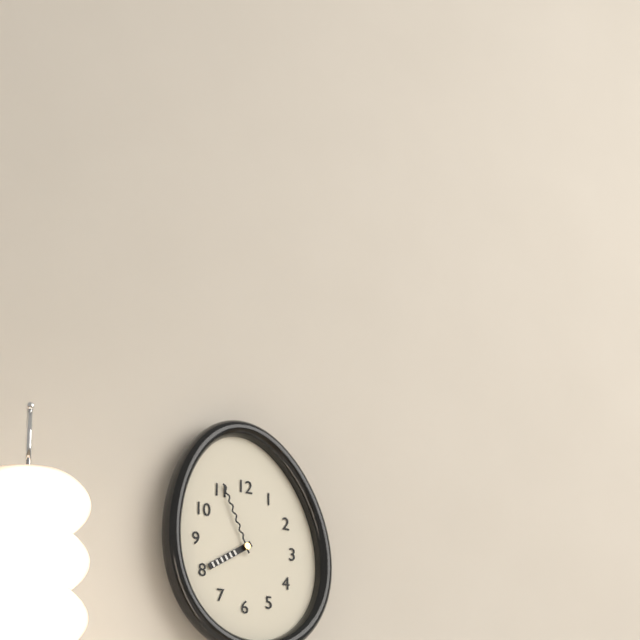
7.56
